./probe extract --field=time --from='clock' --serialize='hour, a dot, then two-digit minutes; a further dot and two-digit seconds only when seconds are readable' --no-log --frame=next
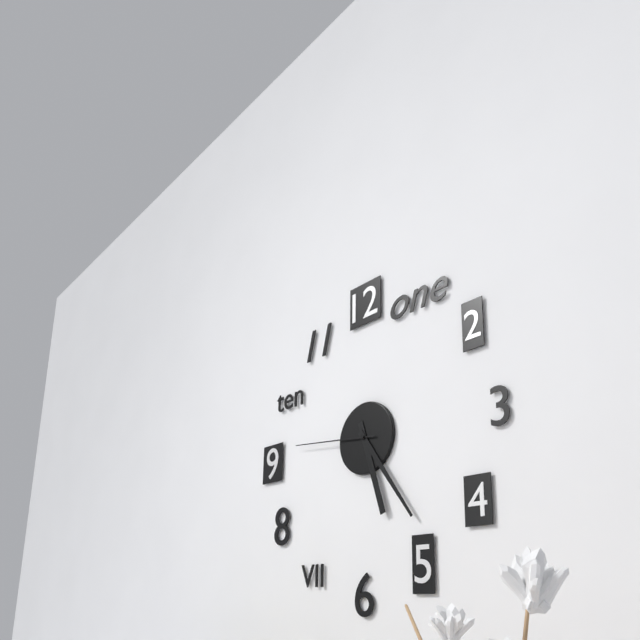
5.24.46
